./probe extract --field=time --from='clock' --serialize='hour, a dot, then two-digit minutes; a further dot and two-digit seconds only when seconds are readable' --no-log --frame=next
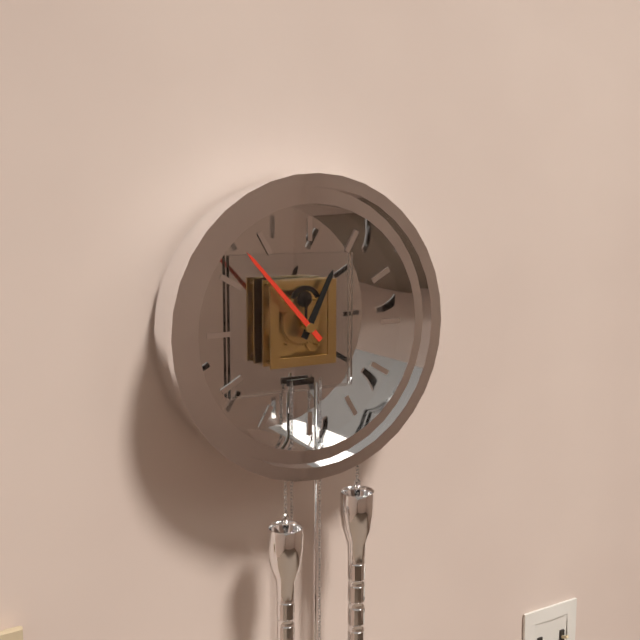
12.53
